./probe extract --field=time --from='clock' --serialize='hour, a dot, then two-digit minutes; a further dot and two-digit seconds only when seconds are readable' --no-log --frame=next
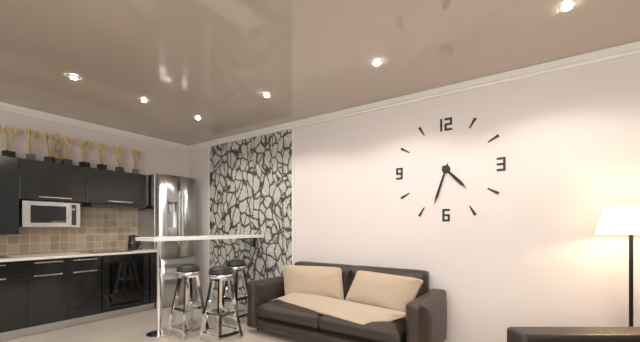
4.33
